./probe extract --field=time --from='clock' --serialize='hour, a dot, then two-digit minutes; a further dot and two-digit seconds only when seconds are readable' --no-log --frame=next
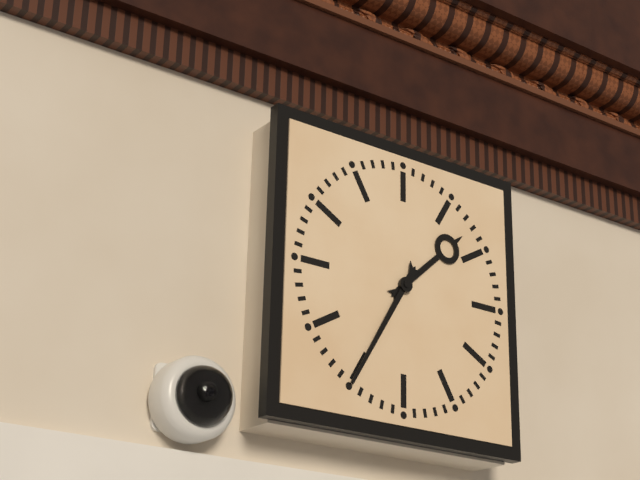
1.35
